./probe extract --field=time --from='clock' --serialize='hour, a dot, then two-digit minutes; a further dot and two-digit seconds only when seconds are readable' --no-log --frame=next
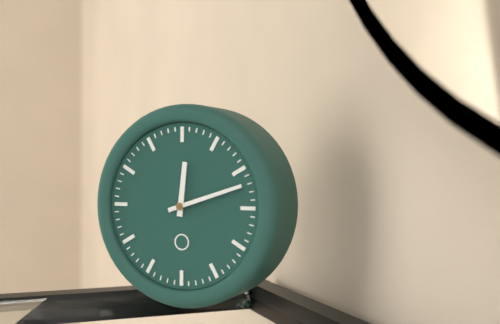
12.12
